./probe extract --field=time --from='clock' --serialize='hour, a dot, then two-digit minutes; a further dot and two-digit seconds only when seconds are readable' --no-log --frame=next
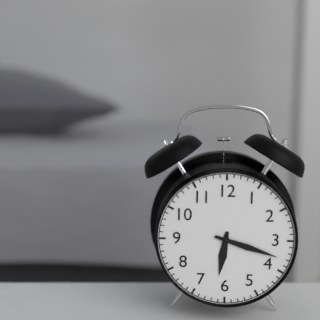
6.18
